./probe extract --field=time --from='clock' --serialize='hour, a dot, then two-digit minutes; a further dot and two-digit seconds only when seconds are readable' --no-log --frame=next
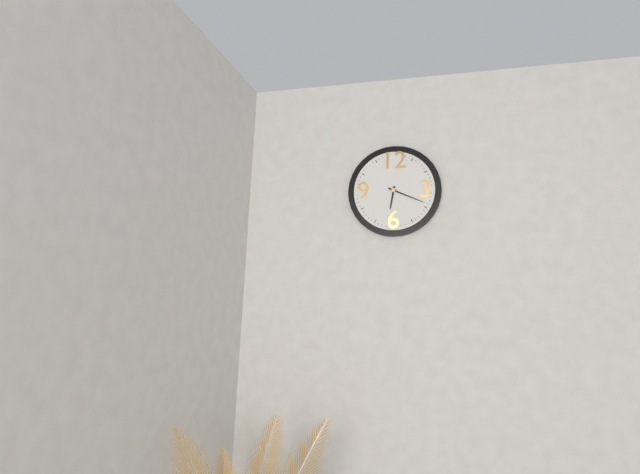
6.19
